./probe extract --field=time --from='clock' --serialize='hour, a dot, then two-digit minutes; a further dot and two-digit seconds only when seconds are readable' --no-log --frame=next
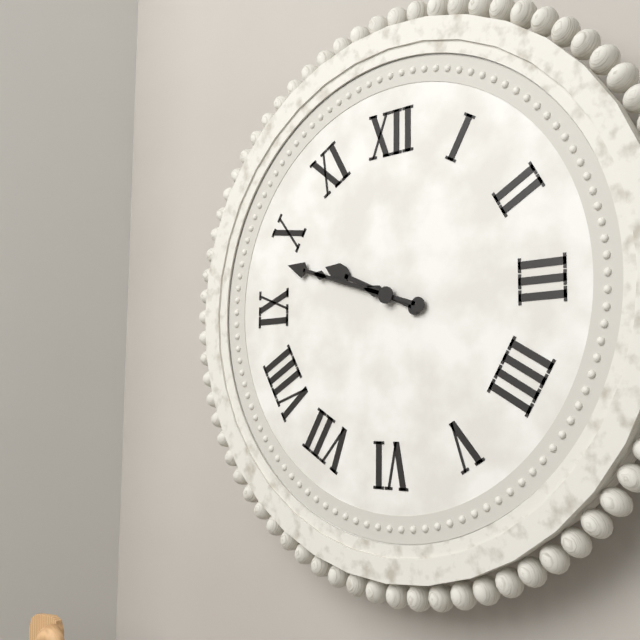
9.48
